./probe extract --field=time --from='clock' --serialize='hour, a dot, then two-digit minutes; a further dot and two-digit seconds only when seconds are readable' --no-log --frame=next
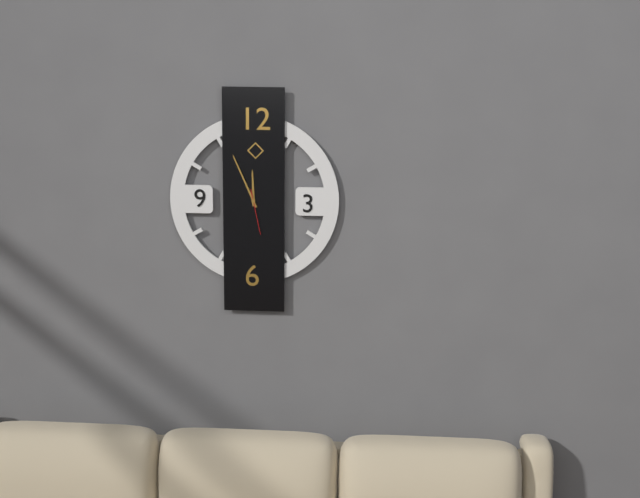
11.56
